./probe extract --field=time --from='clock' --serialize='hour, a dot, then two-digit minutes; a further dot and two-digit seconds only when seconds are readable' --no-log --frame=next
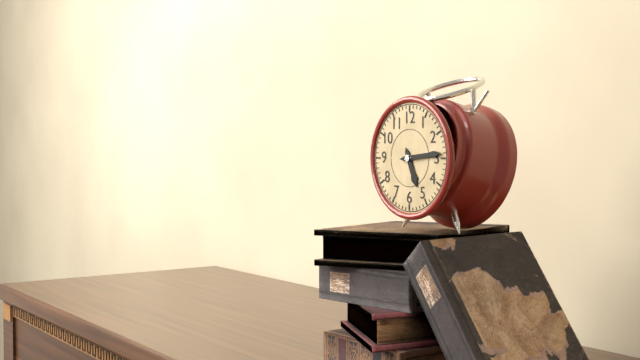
5.14
